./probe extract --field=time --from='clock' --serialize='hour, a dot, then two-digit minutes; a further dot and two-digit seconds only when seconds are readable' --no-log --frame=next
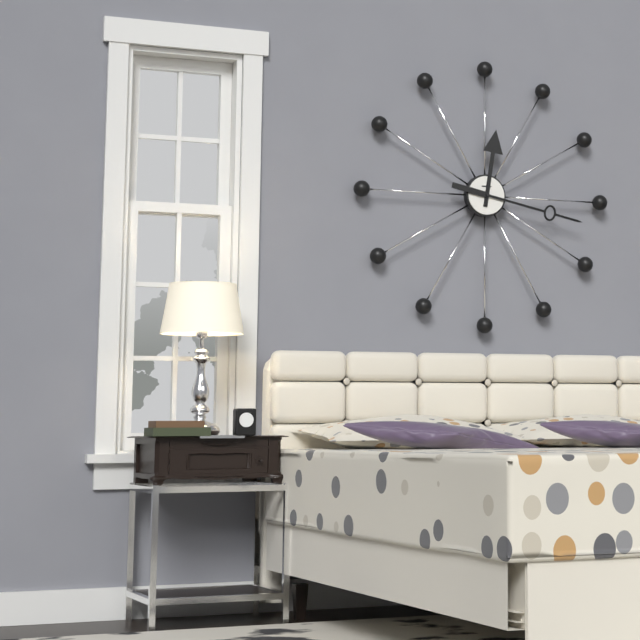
12.17
